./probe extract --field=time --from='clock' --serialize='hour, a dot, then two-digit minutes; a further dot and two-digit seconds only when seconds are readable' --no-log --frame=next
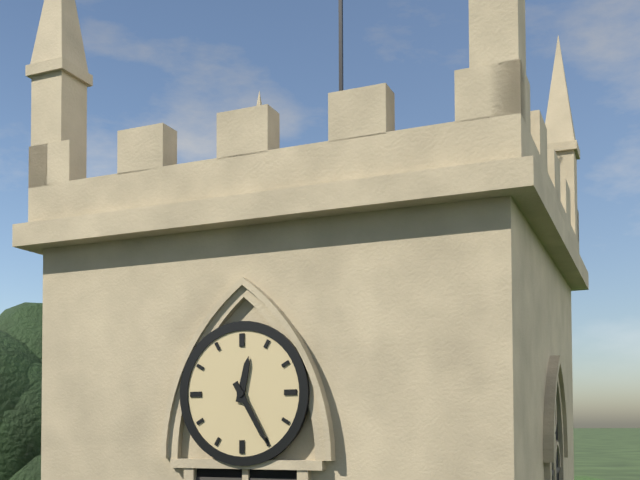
12.25
